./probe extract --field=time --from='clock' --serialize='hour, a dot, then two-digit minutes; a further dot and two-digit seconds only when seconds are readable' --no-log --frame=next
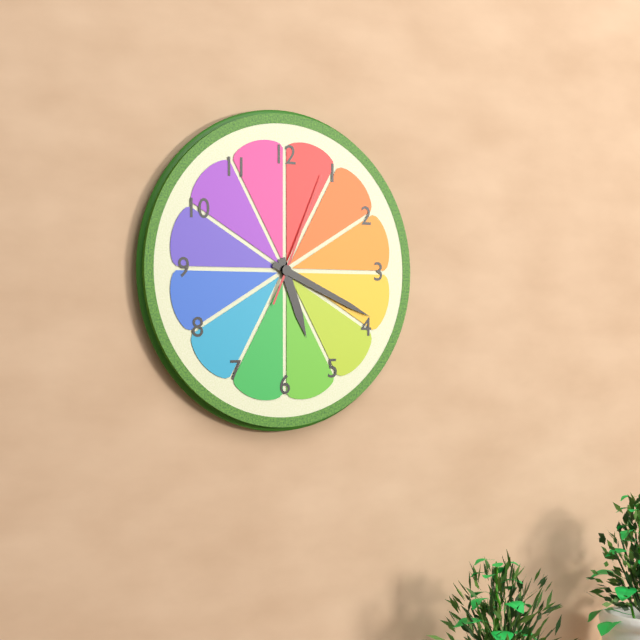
5.19.04
